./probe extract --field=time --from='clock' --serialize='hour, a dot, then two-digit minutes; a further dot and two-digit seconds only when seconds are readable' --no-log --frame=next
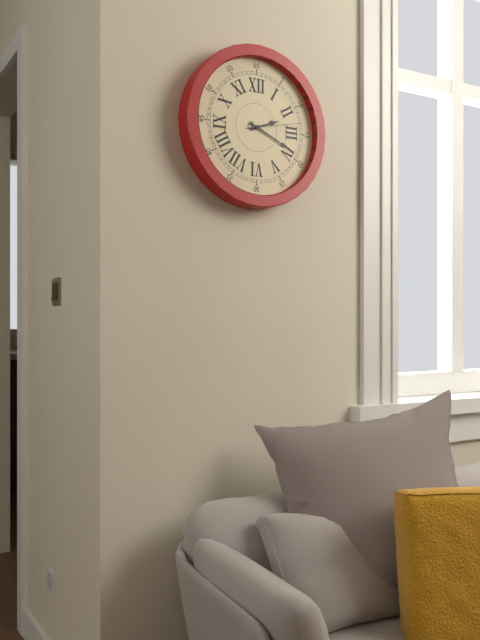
2.19.13
